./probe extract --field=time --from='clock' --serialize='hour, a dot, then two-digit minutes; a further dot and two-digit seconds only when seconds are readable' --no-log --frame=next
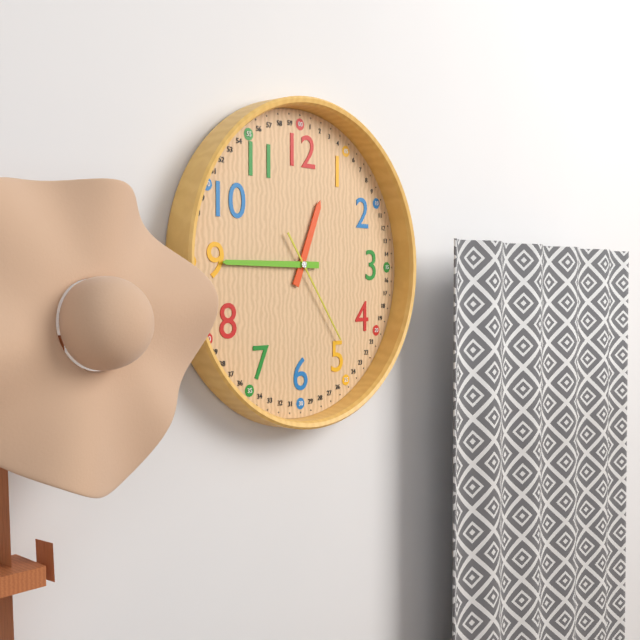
12.45.24
